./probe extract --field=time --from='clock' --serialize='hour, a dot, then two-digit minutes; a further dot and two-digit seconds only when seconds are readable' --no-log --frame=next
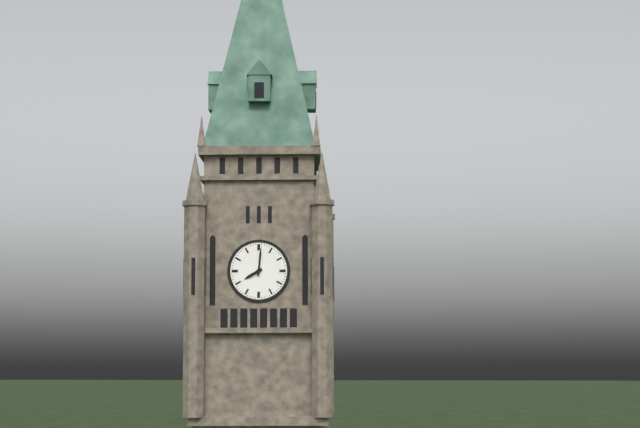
8.01
